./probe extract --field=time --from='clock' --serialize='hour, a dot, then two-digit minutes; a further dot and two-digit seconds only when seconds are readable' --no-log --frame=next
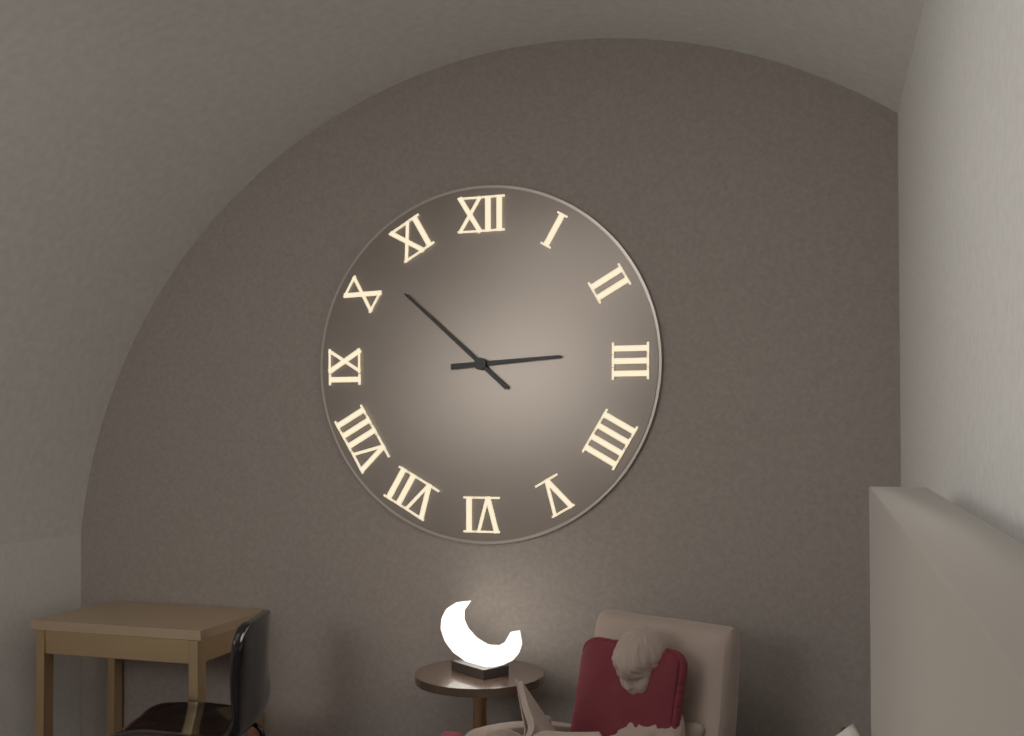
2.52
